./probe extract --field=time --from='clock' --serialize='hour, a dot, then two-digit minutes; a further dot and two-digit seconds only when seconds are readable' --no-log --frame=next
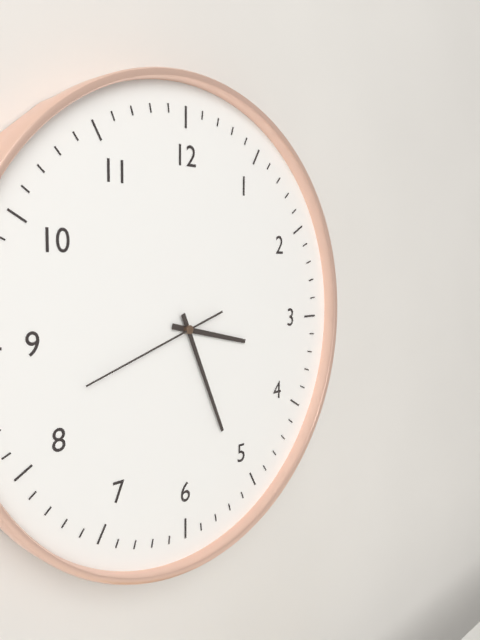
3.26.42
